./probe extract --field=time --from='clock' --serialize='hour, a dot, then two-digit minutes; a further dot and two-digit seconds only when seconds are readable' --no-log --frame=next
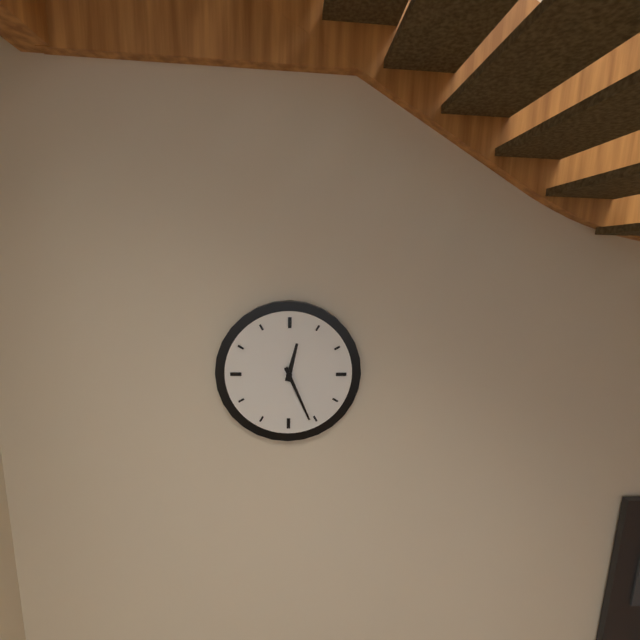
12.26
